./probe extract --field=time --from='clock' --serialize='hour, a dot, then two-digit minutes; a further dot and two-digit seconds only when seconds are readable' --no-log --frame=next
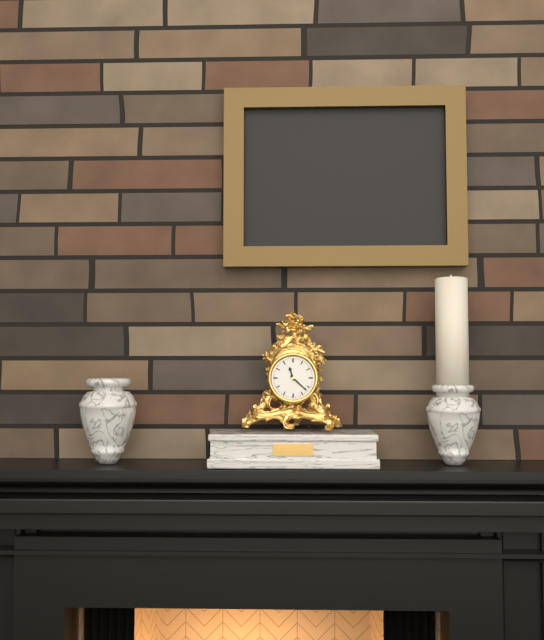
11.22
